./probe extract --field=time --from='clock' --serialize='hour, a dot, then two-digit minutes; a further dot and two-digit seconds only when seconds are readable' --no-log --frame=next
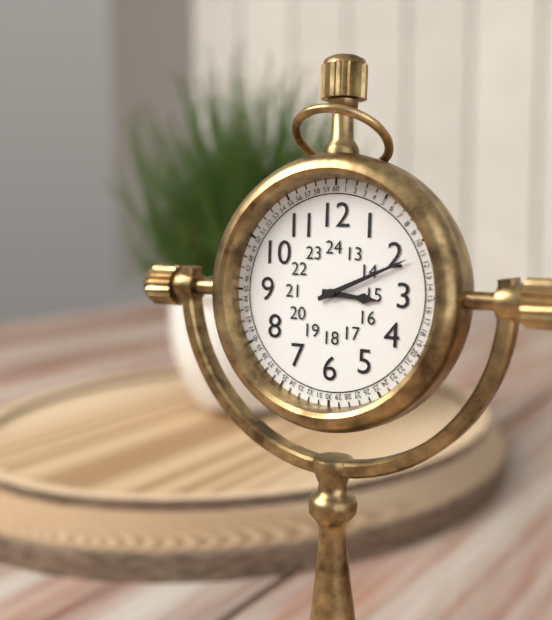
3.11
